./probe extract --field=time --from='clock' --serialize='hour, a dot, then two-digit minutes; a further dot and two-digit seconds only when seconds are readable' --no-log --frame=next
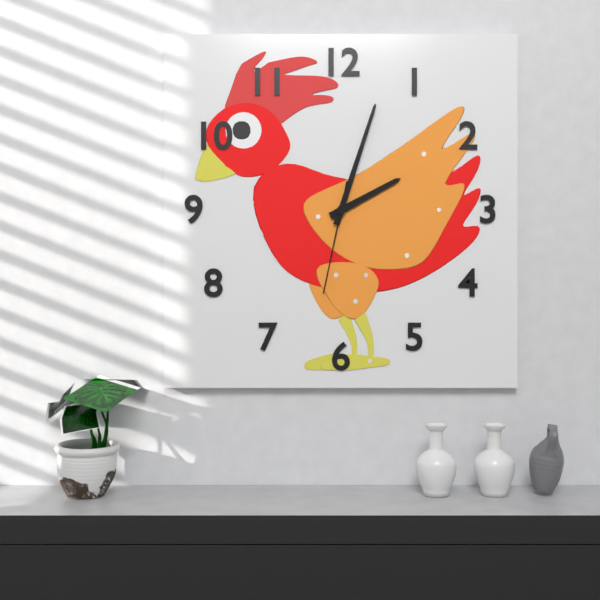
2.03.32
